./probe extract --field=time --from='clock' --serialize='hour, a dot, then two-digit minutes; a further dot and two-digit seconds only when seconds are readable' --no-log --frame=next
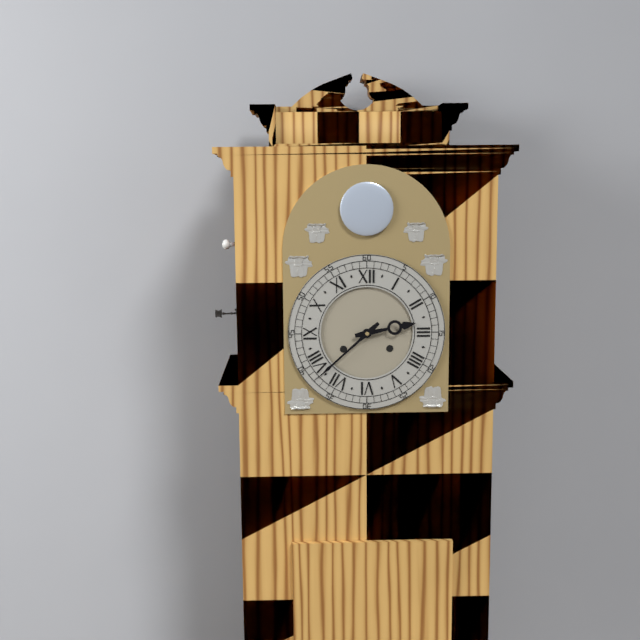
2.38
